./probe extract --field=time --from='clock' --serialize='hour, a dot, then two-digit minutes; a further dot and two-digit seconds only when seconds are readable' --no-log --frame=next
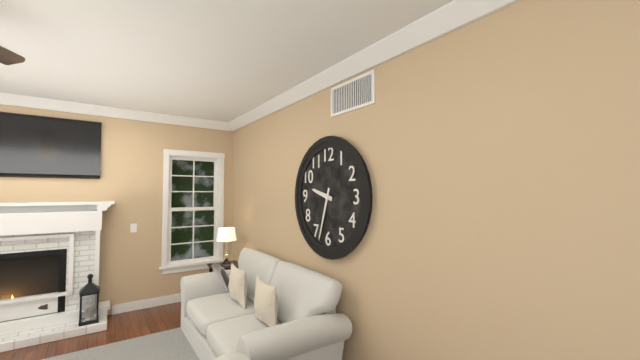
9.33
